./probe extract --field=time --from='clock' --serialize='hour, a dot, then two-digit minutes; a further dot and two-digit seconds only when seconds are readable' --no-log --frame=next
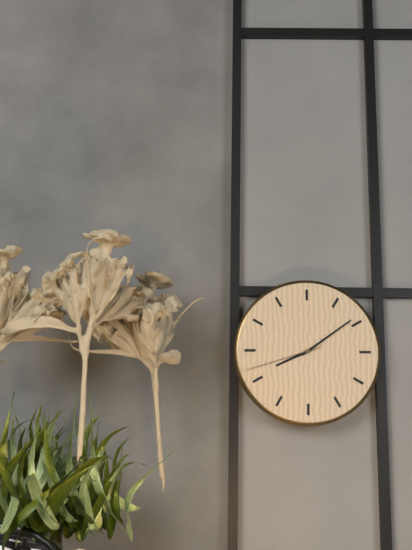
8.09.42
